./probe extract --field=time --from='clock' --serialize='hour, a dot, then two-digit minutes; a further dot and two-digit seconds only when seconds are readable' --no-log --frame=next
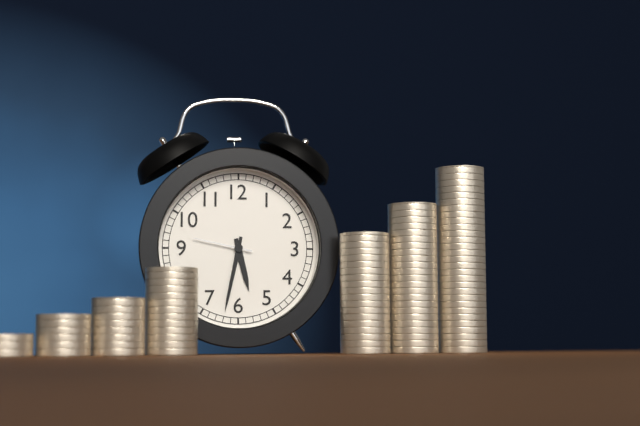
5.32.47
